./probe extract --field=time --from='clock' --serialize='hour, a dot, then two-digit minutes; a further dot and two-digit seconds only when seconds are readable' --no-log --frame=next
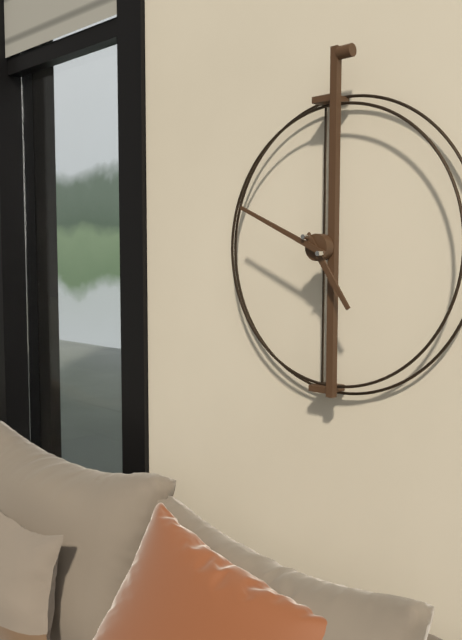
4.49
